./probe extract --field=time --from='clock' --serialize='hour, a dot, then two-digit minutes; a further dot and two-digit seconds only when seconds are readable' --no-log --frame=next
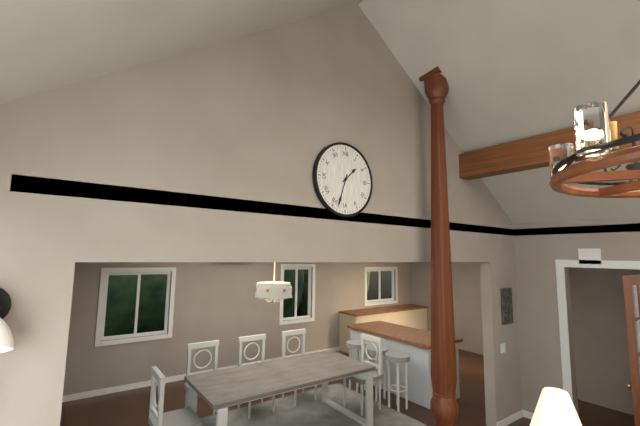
1.33
